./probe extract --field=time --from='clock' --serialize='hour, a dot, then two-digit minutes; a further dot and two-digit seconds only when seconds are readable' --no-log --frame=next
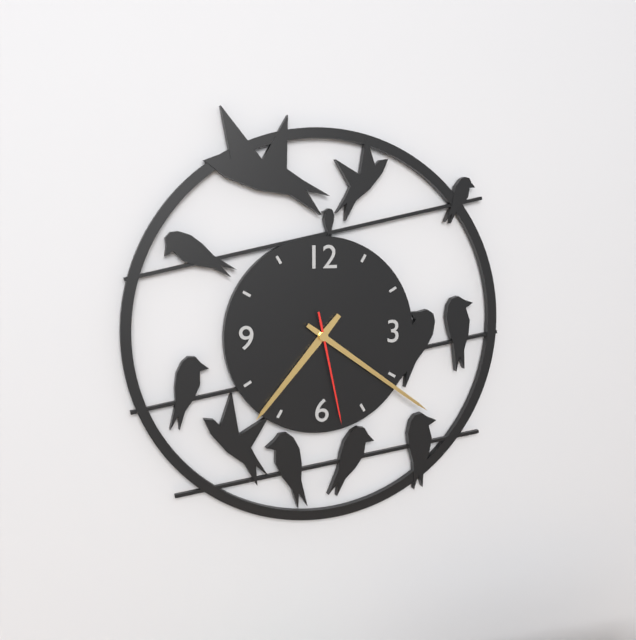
7.21.28
